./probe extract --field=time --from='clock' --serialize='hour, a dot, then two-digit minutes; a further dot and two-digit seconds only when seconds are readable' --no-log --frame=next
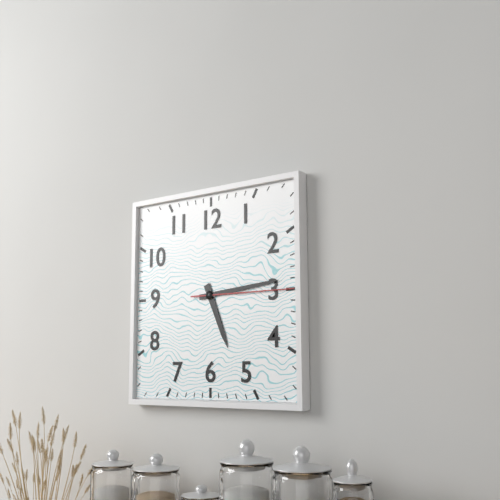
5.14.15
